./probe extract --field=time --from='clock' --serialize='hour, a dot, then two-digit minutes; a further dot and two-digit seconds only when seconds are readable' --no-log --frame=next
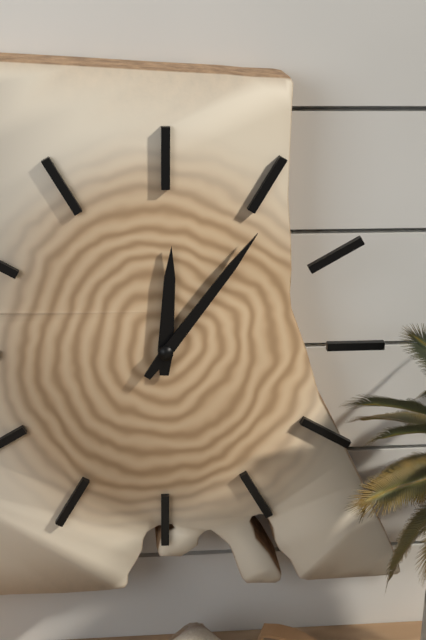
12.06
